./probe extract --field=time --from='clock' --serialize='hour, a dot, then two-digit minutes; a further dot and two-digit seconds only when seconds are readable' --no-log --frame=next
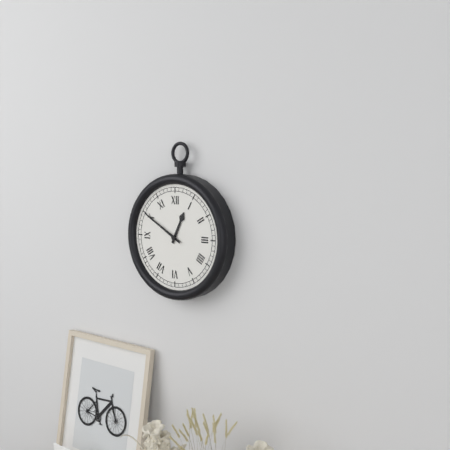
12.50
